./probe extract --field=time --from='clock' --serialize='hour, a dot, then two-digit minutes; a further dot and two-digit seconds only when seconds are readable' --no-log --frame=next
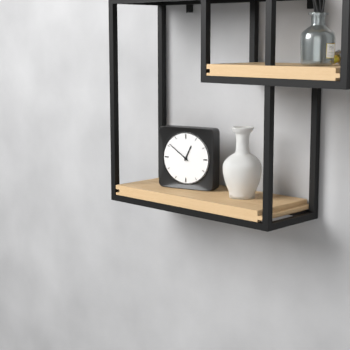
12.51
